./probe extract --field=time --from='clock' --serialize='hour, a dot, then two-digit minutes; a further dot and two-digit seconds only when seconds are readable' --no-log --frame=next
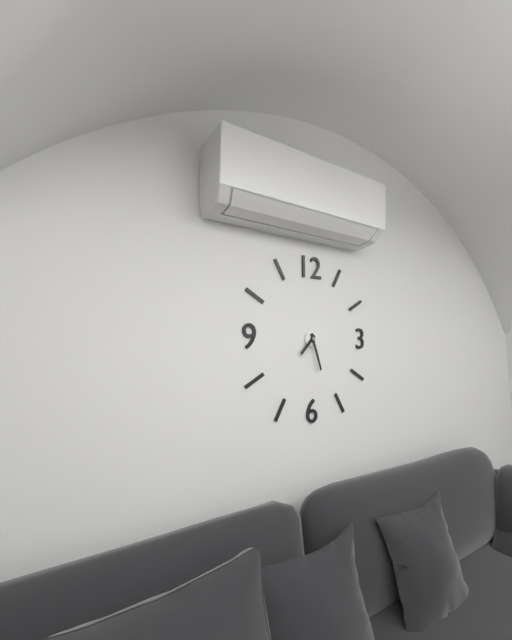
7.27
